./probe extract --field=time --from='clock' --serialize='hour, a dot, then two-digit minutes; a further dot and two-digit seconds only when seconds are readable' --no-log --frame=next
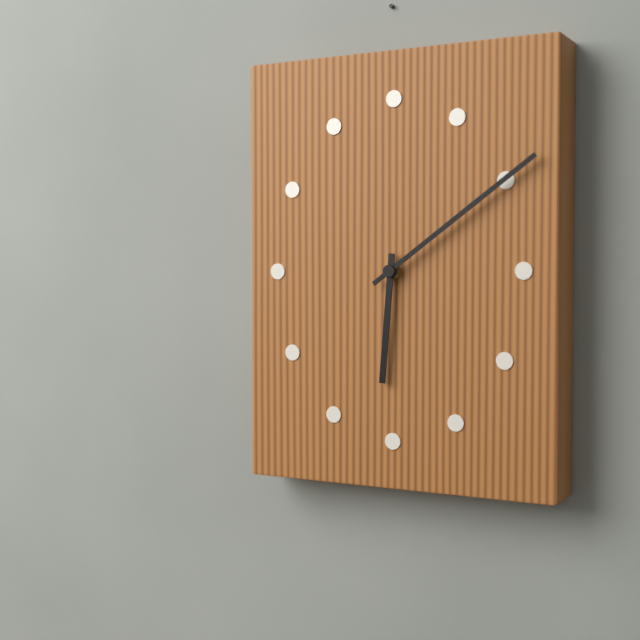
6.09
